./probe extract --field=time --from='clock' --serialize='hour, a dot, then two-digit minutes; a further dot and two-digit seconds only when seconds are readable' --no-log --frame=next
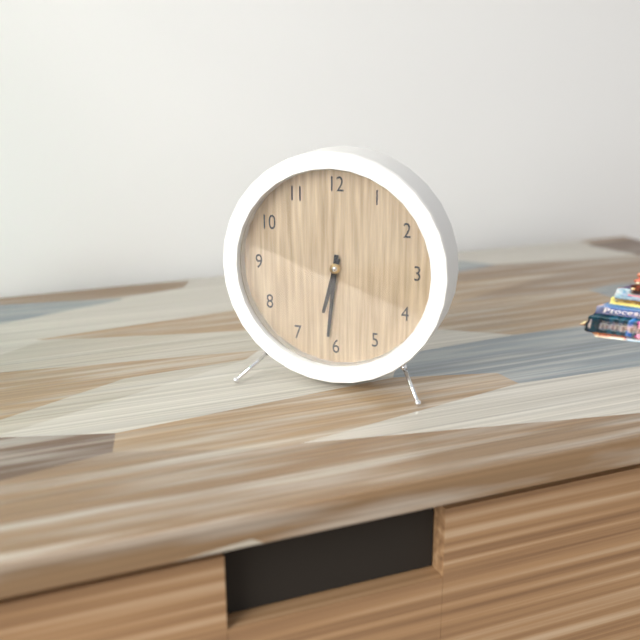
6.31
